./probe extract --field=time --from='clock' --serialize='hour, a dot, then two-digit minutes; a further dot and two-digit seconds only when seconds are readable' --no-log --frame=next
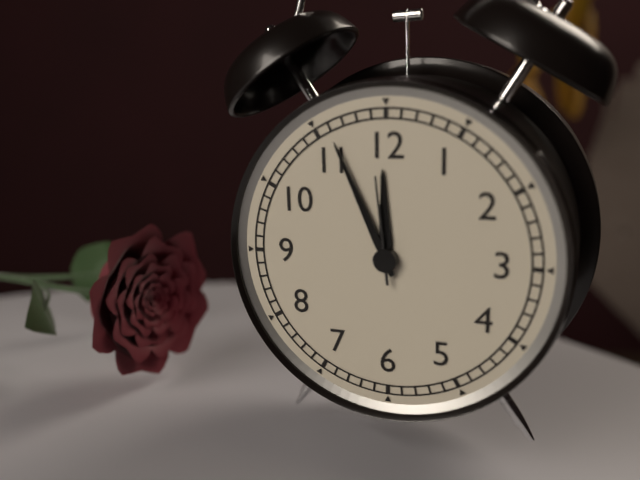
11.56.59
